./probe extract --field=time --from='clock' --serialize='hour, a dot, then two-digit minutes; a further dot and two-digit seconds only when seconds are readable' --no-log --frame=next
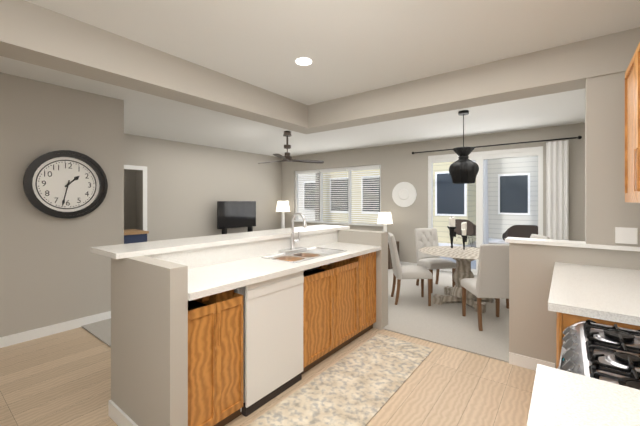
1.32
